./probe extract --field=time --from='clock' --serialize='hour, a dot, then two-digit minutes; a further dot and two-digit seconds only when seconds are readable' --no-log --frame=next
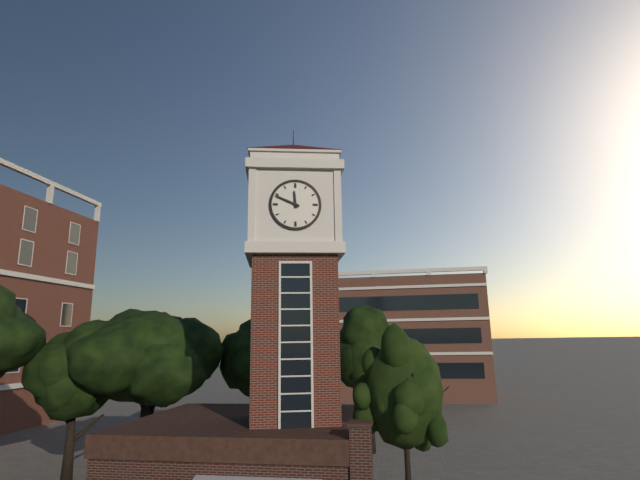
11.49
